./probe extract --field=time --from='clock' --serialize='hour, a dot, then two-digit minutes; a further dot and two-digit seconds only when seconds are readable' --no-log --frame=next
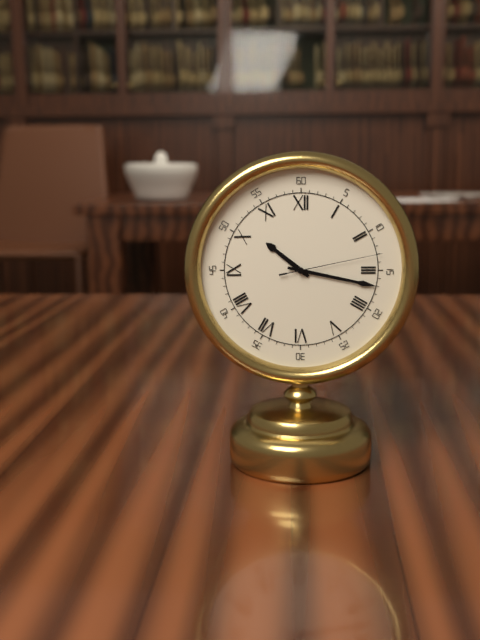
10.17.13
